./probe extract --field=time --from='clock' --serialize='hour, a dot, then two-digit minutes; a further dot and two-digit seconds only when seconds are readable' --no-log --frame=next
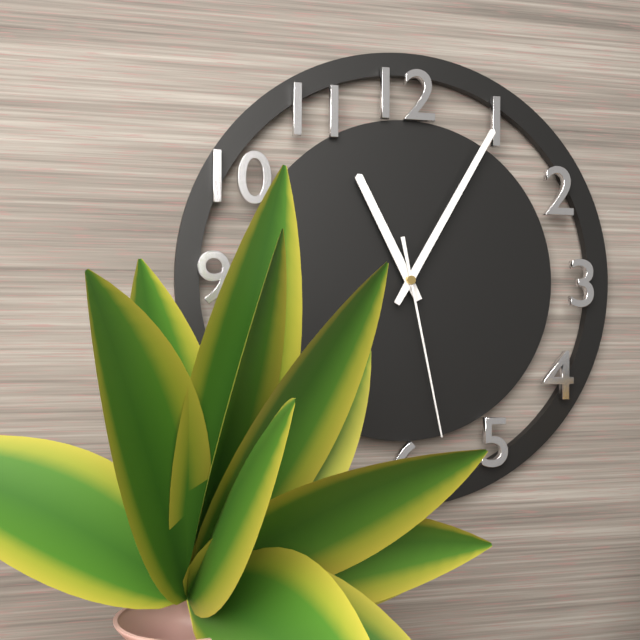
11.05.28
